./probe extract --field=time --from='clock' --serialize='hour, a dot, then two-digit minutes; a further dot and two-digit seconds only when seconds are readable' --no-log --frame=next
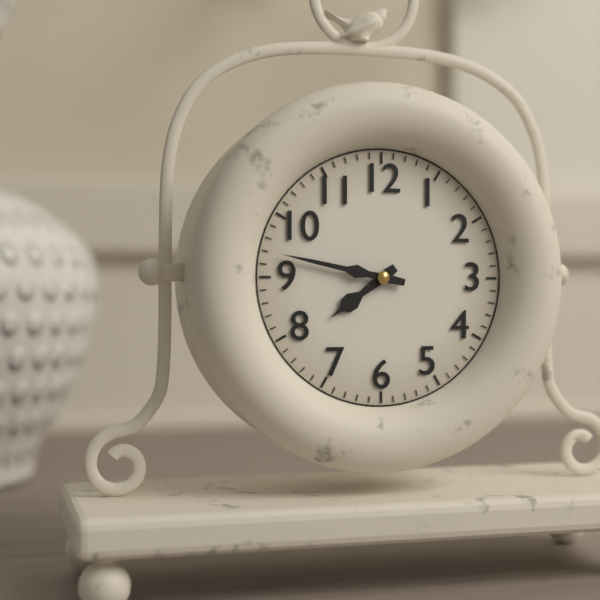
7.47
